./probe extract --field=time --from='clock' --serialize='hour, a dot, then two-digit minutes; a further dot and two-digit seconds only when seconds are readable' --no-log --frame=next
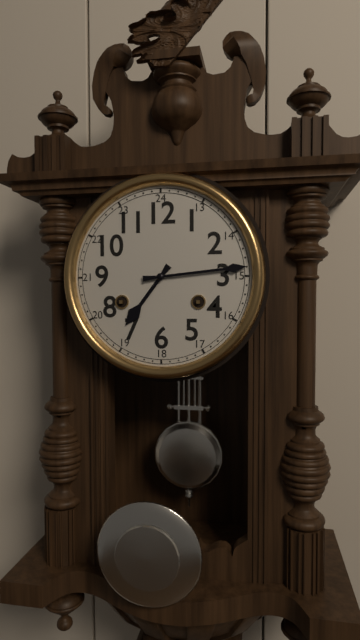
7.14
